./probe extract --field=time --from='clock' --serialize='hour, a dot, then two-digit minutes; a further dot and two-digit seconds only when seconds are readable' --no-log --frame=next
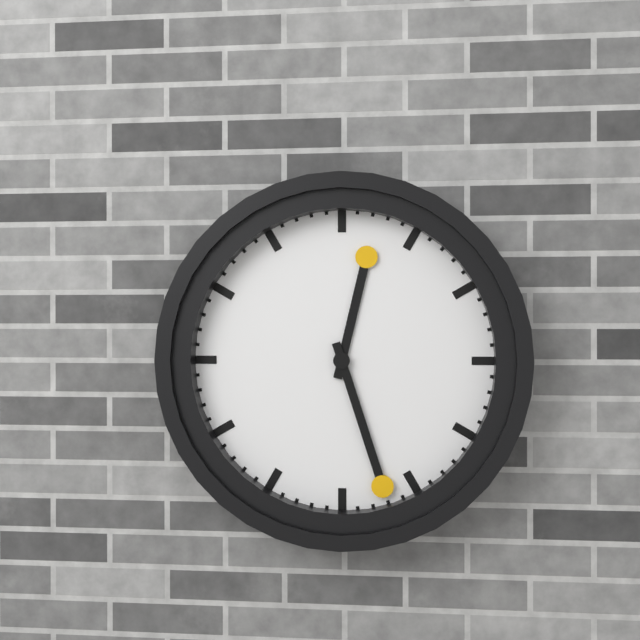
12.27
